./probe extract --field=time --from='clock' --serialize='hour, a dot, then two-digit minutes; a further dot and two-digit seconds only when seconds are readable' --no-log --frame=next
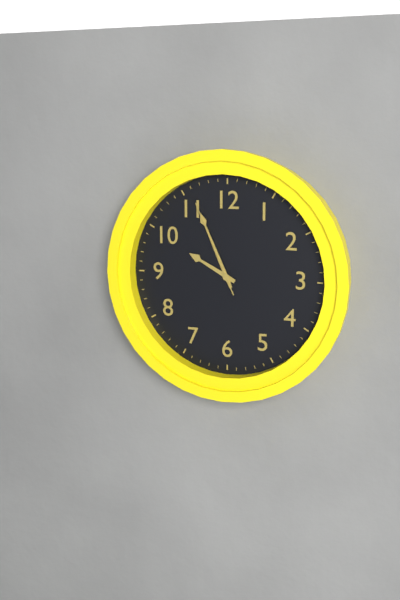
9.56.56
